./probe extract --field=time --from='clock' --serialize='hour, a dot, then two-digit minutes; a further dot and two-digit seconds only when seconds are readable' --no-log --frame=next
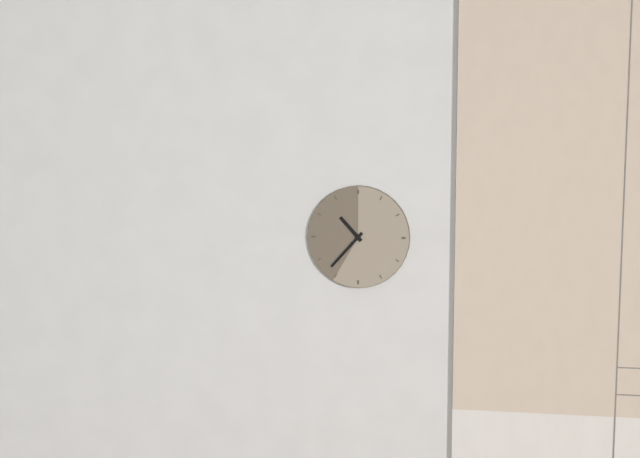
10.37
